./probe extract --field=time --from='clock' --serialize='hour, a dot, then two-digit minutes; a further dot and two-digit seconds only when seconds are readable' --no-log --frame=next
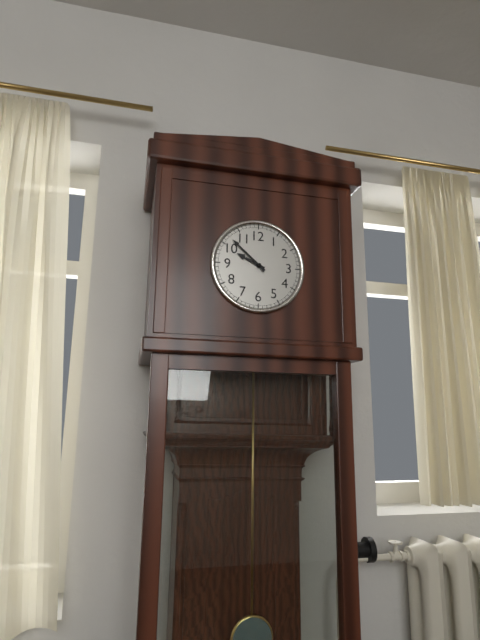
9.52
